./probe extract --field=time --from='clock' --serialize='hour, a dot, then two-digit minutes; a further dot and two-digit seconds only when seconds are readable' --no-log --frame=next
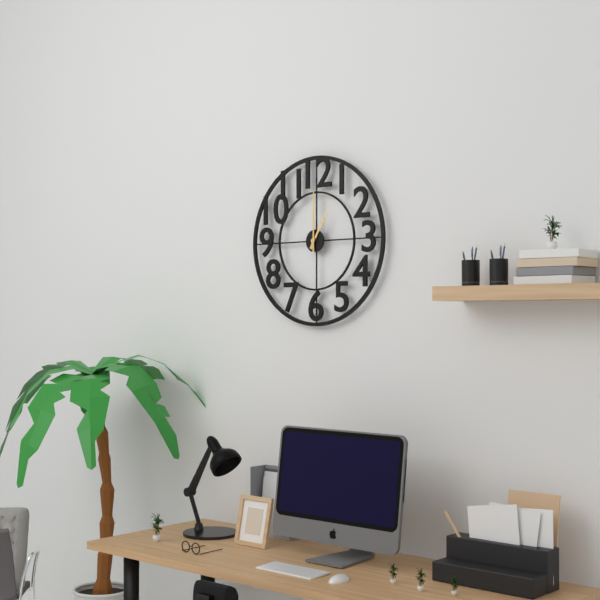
1.00
